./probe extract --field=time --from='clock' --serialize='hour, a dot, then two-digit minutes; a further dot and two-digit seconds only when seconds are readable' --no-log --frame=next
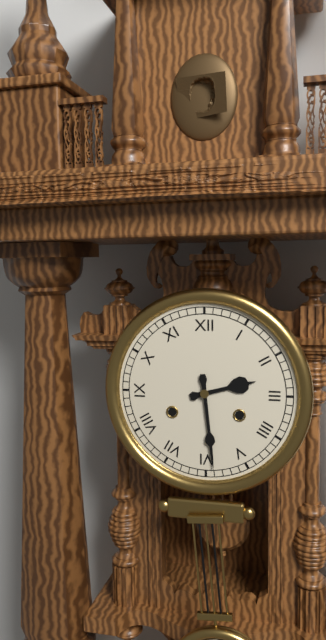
2.29
